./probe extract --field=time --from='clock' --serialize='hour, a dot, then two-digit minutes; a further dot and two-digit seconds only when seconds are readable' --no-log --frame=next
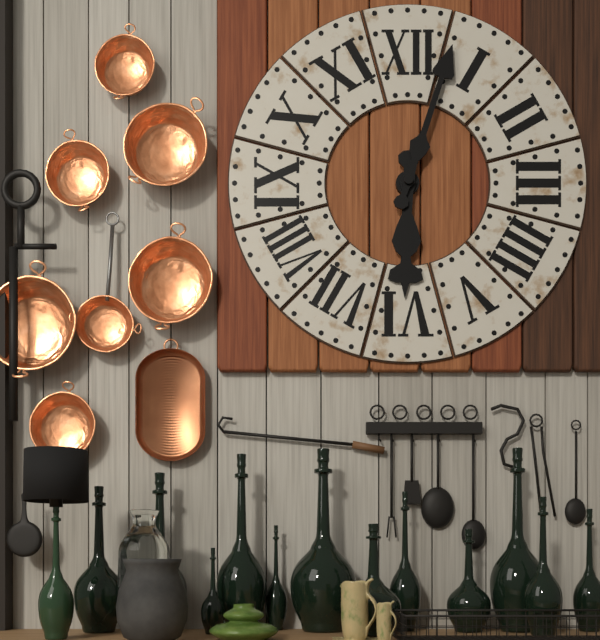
6.03
